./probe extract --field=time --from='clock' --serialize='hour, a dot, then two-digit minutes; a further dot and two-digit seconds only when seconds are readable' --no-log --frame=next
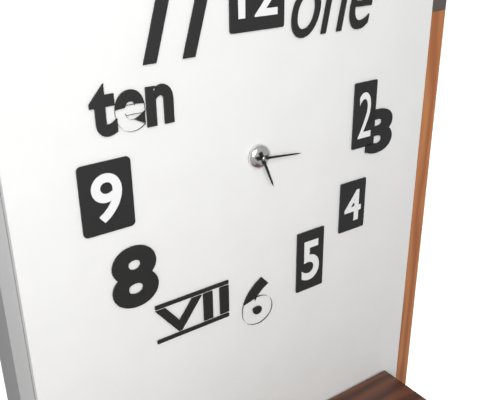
5.16
